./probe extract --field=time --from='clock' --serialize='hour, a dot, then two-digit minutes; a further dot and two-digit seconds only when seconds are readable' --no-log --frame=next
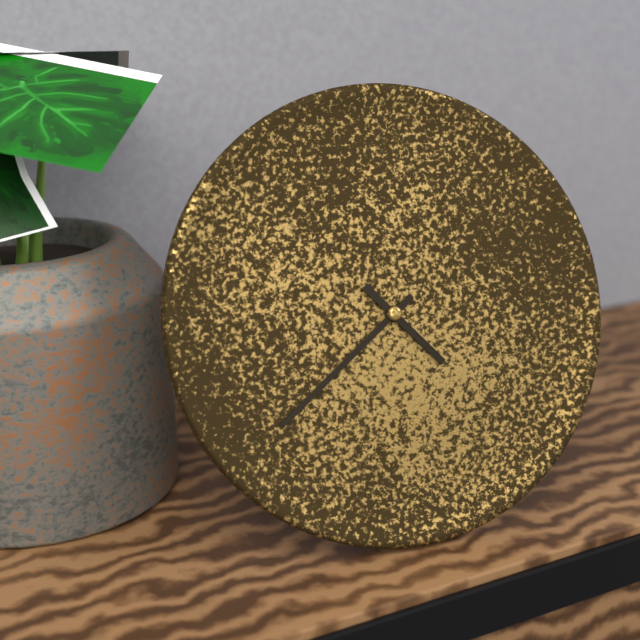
4.39
